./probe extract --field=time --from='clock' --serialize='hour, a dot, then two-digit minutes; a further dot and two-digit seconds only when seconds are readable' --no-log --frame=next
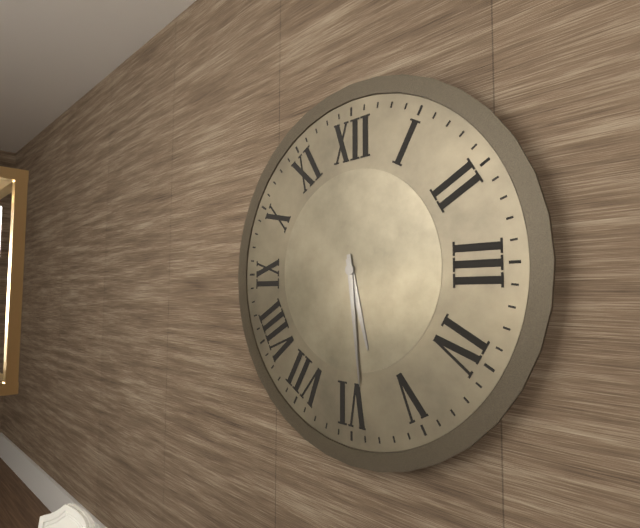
5.29
